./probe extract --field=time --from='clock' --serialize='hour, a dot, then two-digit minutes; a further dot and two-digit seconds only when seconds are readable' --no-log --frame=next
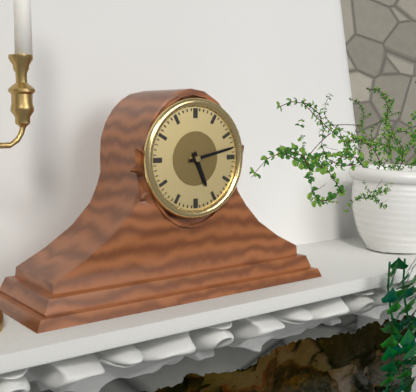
5.13
